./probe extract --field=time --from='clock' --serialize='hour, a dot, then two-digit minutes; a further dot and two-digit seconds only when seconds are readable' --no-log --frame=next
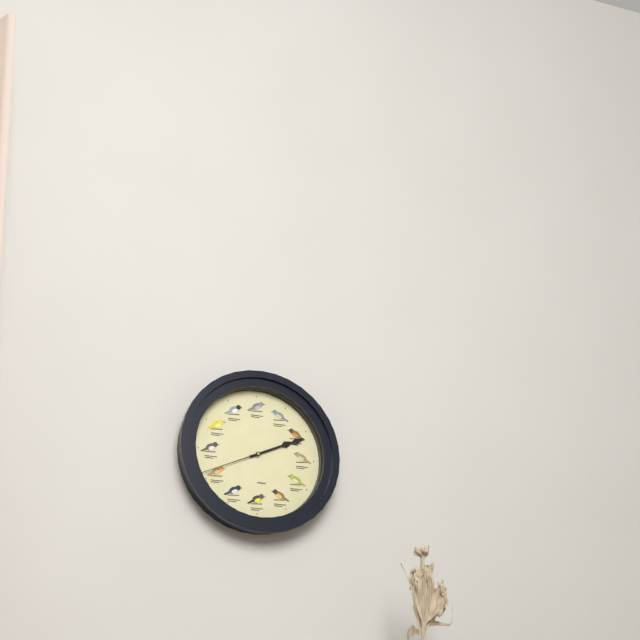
2.11.41
